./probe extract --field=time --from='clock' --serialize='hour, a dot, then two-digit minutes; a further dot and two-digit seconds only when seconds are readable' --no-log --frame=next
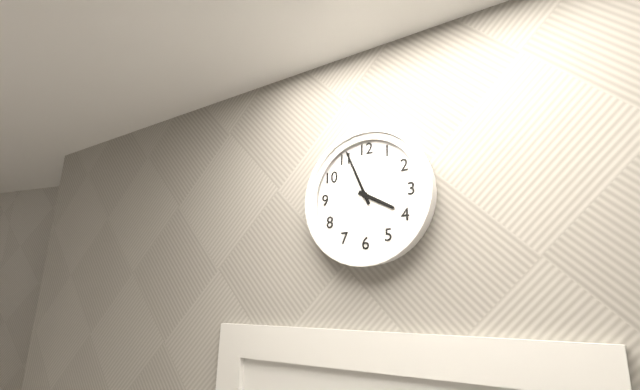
3.56
